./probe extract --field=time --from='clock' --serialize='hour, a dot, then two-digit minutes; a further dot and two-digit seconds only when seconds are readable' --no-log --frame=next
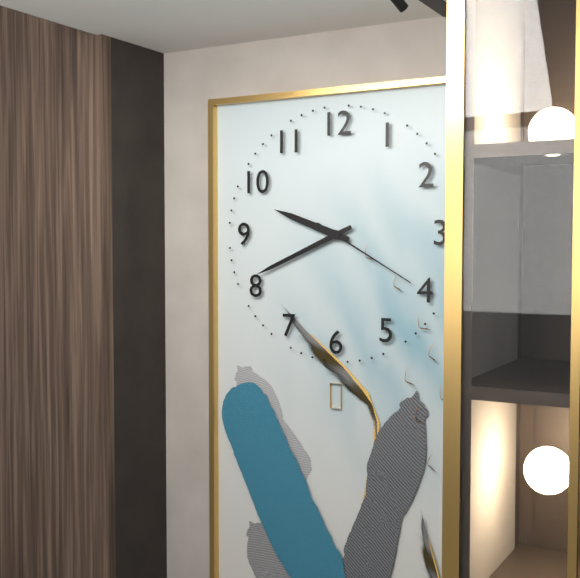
9.41.20
